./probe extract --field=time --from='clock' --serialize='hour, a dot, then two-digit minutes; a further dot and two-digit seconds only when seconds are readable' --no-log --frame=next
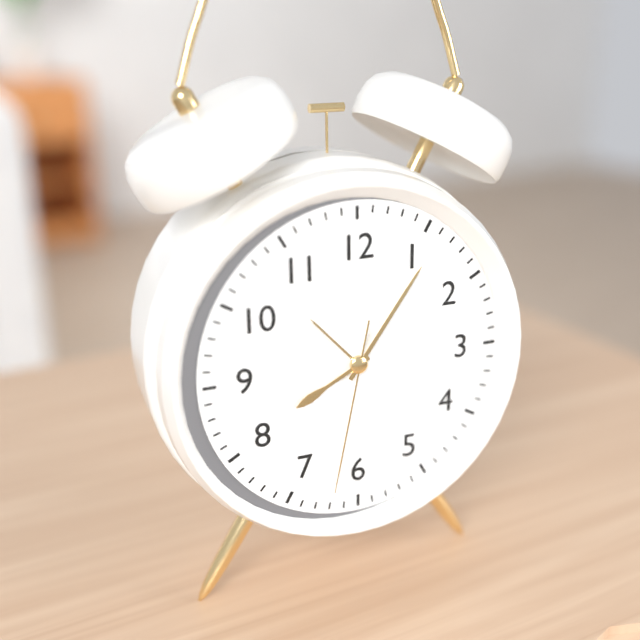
8.06.32
